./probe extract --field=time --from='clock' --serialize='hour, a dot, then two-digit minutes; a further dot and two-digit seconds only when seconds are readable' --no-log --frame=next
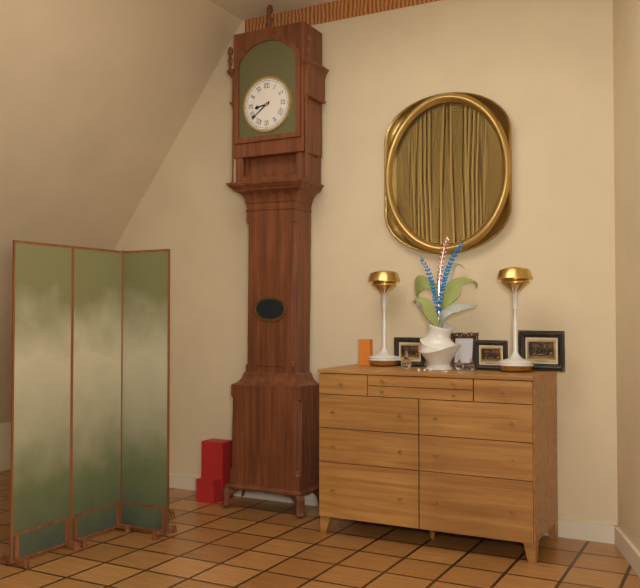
8.39
